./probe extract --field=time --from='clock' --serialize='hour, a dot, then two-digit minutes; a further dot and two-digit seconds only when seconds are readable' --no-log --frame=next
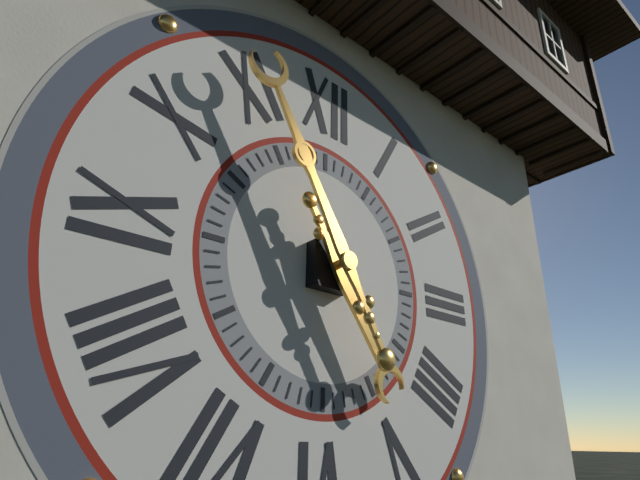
4.55
